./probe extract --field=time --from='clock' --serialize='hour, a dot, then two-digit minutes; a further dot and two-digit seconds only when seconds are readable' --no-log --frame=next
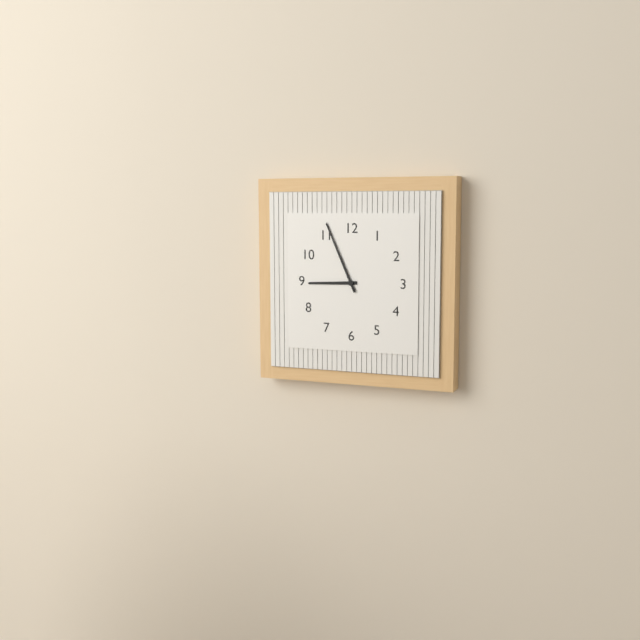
8.56
